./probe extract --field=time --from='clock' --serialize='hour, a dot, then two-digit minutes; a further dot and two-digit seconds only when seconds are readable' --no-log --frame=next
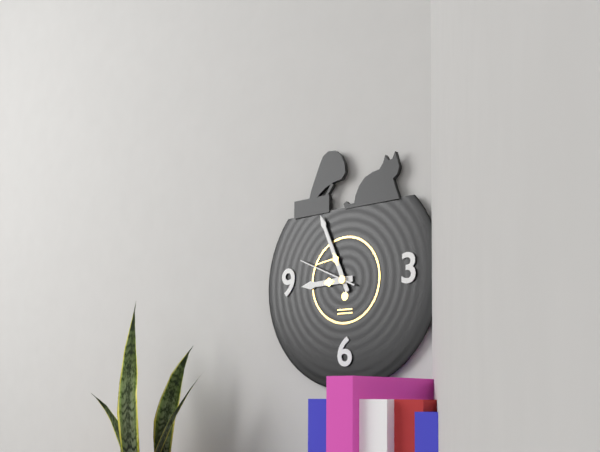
8.56.49
